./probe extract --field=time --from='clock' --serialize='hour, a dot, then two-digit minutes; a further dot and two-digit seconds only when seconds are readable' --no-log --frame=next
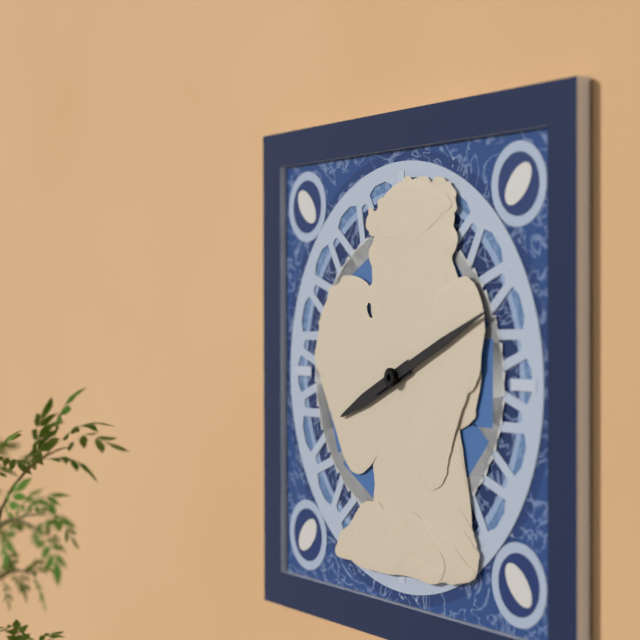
8.11
